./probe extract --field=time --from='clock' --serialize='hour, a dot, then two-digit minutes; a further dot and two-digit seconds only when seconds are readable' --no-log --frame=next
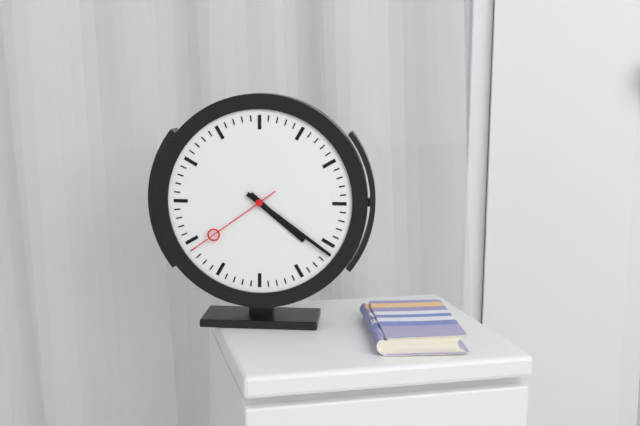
4.21.39
